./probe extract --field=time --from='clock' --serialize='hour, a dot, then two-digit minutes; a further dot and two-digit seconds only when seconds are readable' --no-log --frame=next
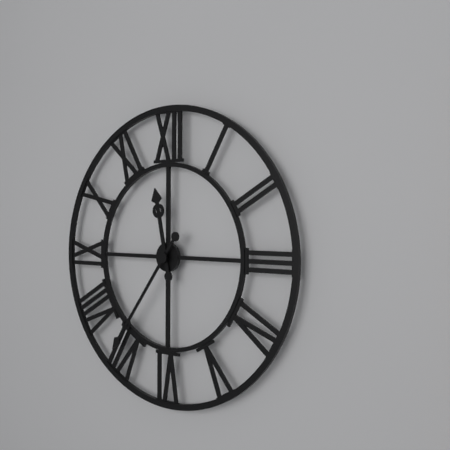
11.36
